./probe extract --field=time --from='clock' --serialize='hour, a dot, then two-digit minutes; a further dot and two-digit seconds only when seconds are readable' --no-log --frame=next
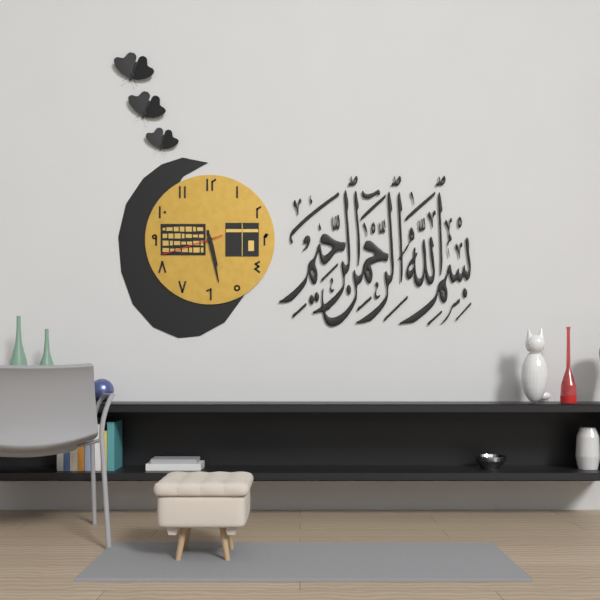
5.28.42
